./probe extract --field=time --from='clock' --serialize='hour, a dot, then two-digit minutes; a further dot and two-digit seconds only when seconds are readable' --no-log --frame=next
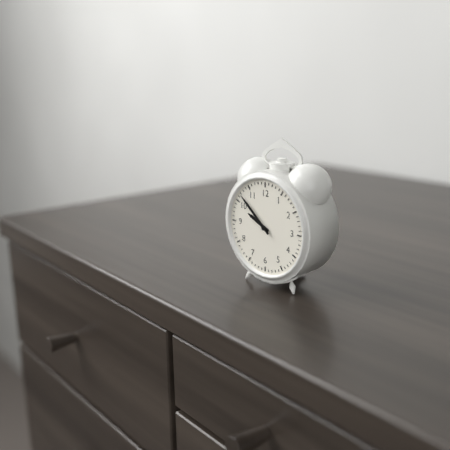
9.52
